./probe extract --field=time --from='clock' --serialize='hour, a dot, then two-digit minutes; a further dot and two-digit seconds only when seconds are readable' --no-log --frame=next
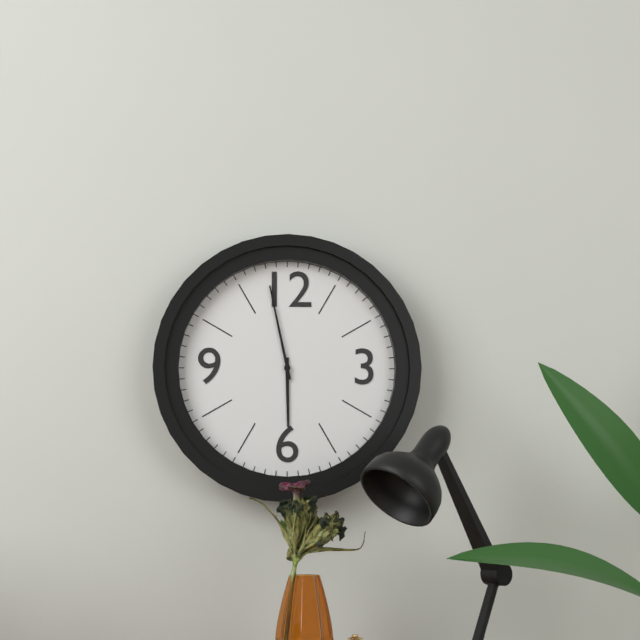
5.58
